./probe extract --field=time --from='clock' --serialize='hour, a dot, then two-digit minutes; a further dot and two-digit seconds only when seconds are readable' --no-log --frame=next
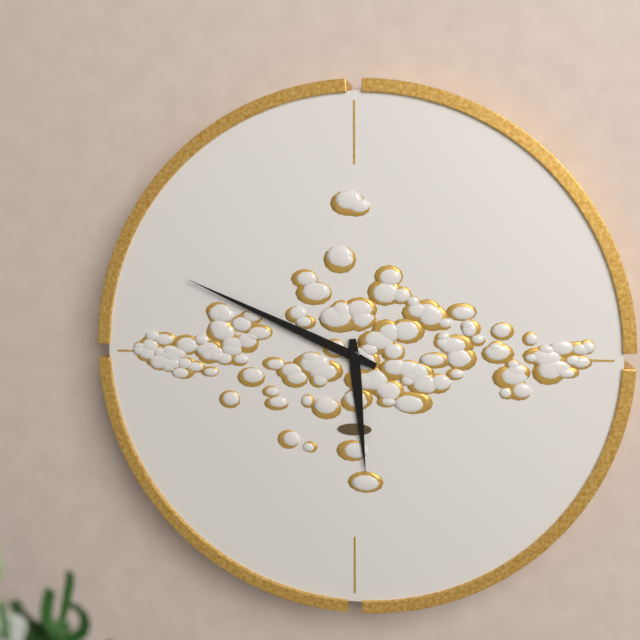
5.49
